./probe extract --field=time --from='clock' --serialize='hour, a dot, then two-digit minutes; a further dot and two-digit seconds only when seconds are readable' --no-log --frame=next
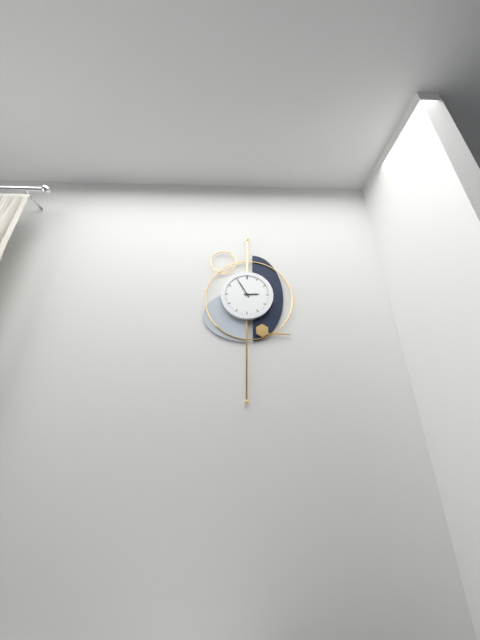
2.55
